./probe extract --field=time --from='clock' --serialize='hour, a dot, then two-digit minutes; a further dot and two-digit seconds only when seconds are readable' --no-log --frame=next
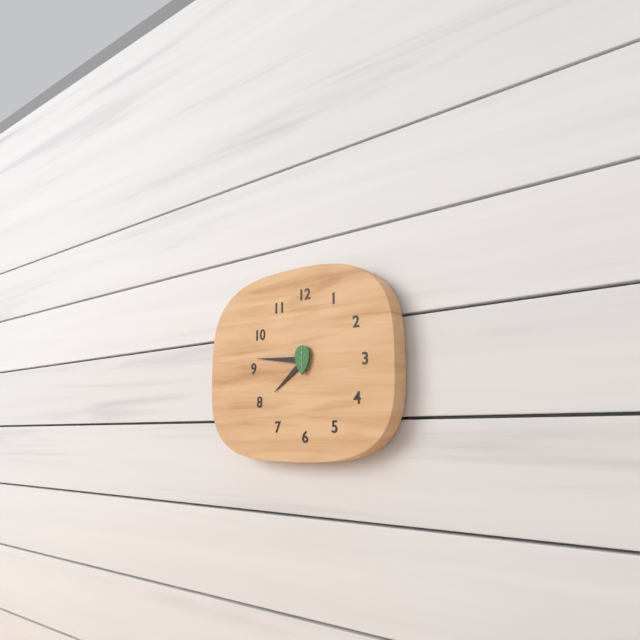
7.46
